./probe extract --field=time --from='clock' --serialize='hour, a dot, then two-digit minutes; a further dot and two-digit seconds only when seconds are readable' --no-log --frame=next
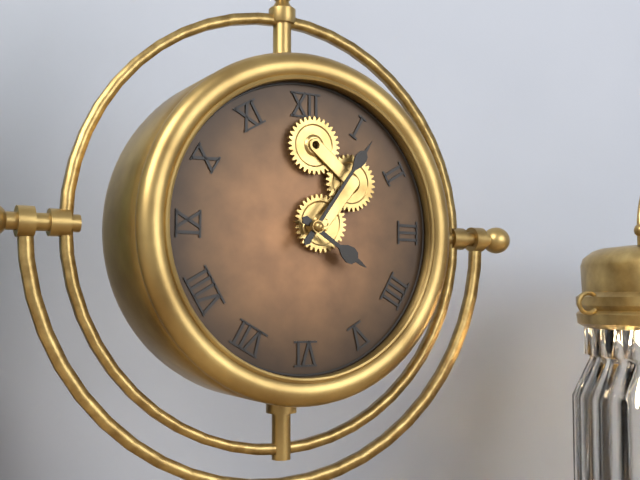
4.06
